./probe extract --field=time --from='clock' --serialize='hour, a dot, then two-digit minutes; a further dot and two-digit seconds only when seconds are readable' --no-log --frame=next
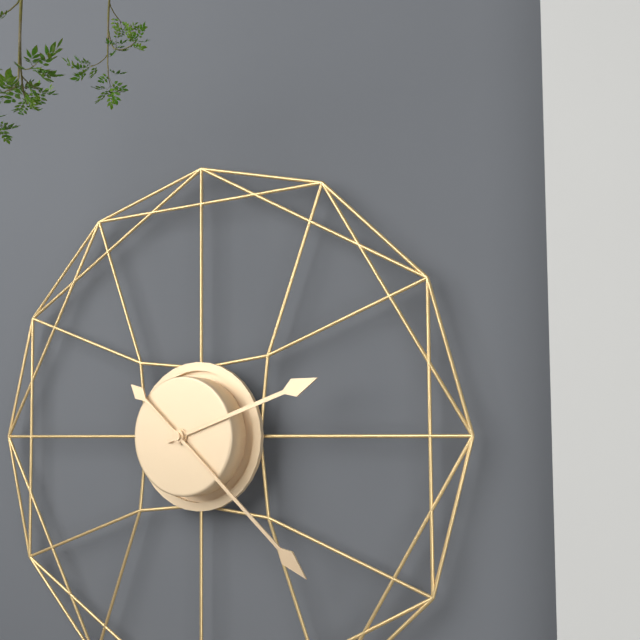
2.22
